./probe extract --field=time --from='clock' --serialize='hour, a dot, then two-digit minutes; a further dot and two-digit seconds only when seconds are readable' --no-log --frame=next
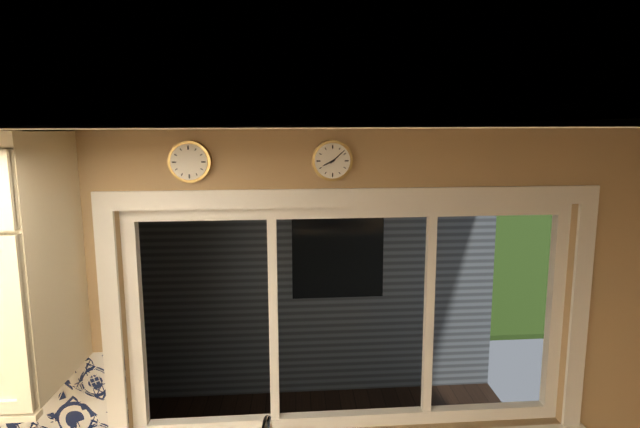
8.08
